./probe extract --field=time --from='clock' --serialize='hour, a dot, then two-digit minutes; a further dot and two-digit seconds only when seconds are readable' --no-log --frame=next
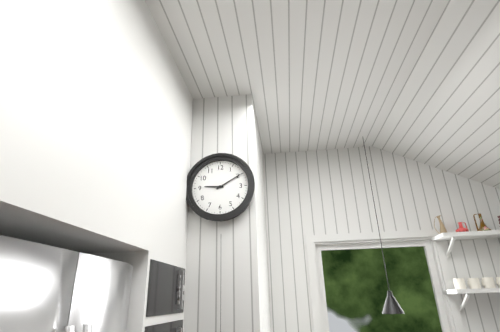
9.10
